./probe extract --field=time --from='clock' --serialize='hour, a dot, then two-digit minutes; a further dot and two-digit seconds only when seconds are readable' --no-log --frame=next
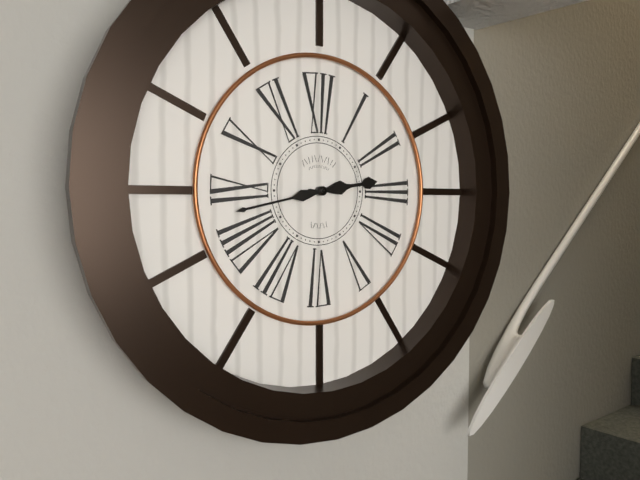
2.43
